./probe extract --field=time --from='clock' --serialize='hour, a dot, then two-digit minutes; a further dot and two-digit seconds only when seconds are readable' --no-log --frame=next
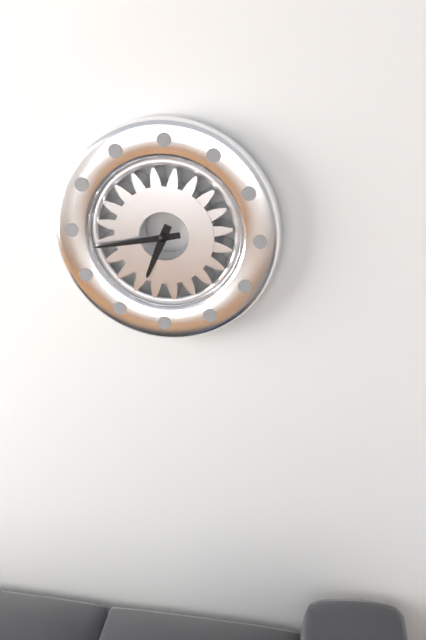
6.43
